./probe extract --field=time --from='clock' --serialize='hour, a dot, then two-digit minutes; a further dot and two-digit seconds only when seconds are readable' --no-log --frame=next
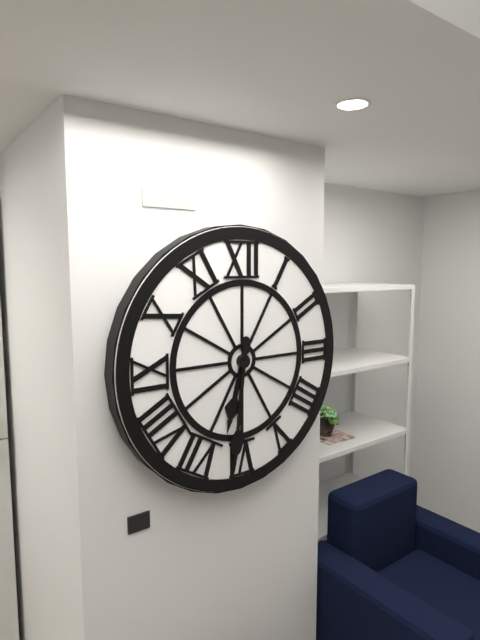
6.31
